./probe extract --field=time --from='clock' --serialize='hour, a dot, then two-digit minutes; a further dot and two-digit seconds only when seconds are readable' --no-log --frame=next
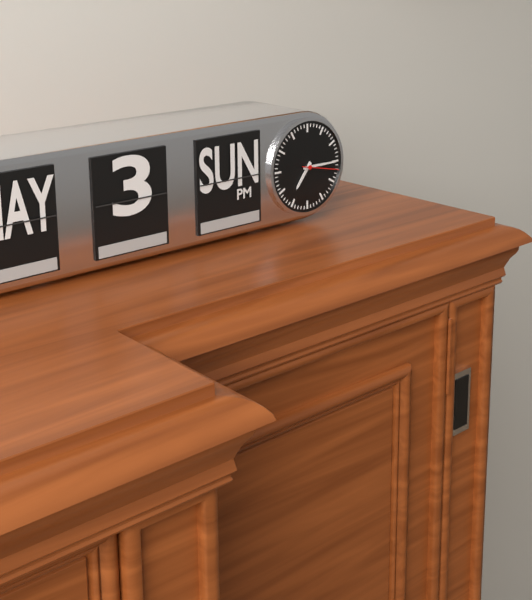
7.15
